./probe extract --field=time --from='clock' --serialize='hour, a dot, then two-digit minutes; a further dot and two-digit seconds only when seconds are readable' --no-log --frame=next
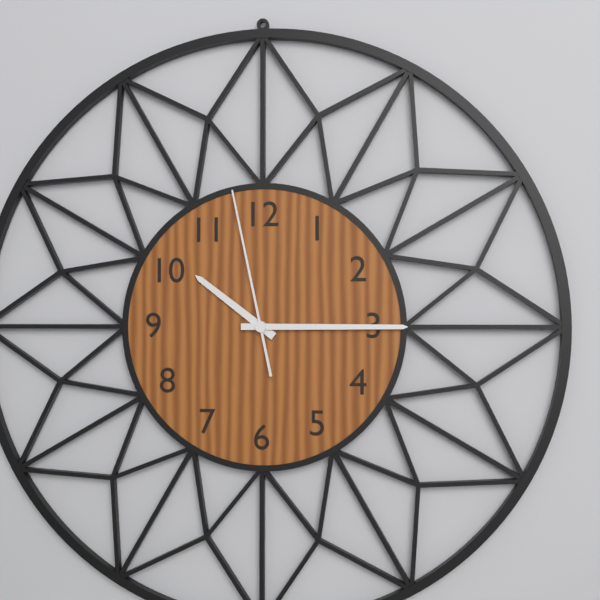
10.15.58
